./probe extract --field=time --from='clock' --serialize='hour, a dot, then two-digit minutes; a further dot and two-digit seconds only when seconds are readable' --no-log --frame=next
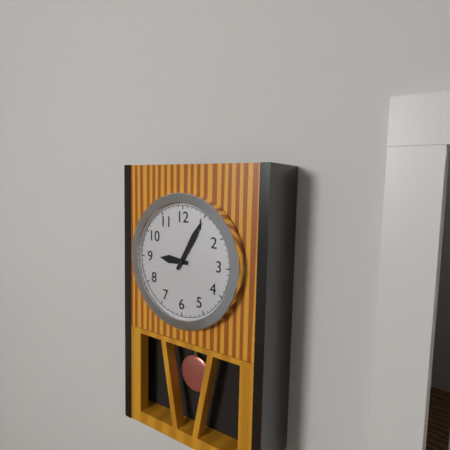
9.05
